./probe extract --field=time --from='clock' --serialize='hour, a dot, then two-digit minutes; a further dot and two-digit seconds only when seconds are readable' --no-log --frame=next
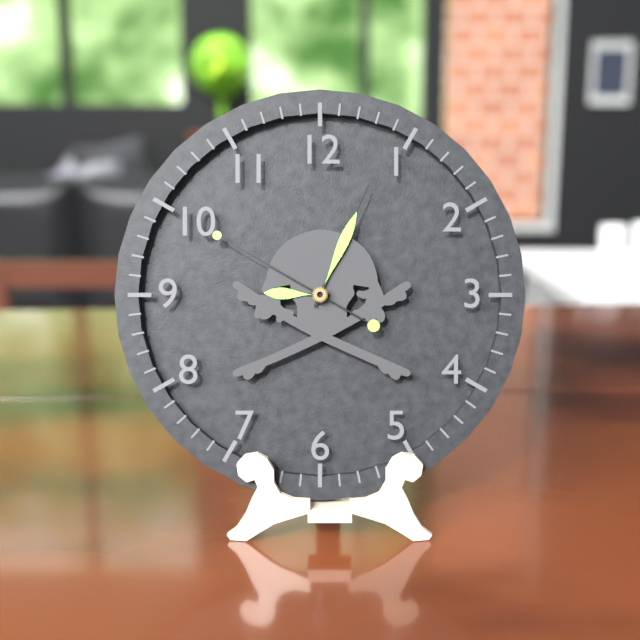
9.04.50
